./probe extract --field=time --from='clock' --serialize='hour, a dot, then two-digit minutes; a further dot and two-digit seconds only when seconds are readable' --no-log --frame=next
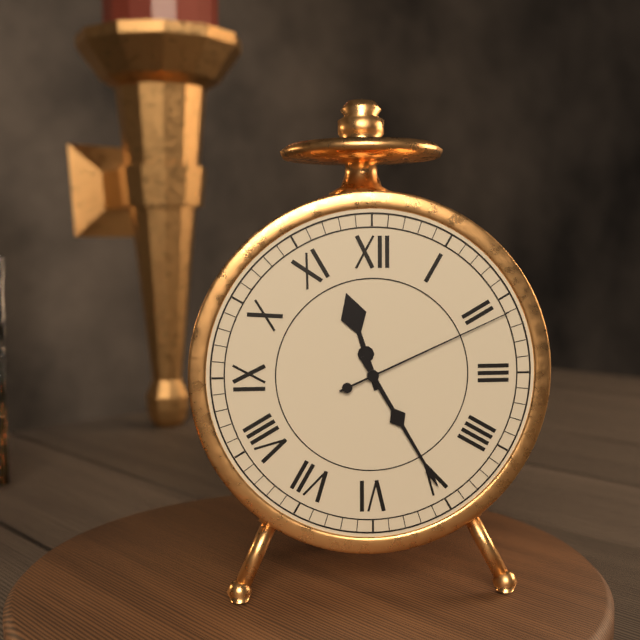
11.25.11
